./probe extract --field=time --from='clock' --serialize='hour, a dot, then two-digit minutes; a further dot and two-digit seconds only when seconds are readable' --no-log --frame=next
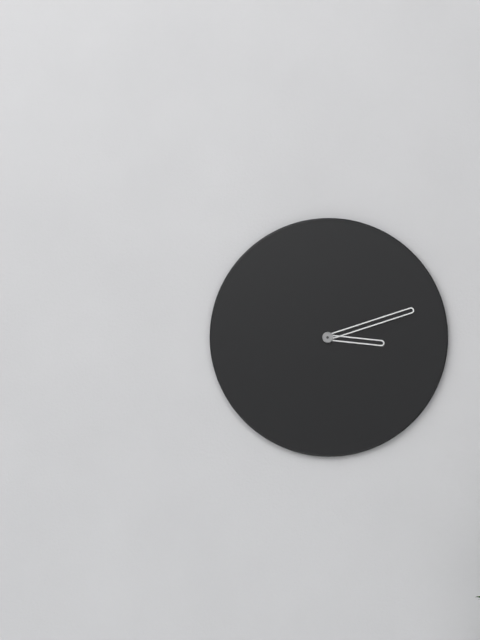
3.12
